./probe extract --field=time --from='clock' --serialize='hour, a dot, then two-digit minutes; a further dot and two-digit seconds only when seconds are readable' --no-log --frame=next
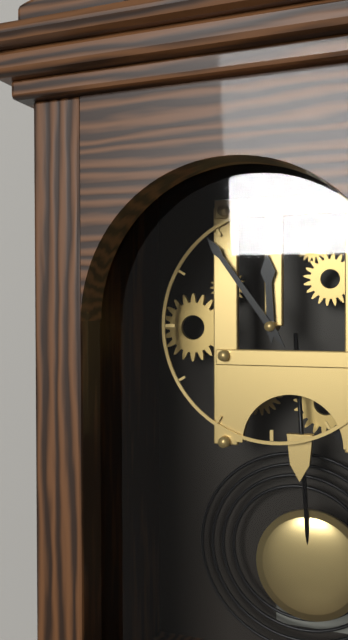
11.54
